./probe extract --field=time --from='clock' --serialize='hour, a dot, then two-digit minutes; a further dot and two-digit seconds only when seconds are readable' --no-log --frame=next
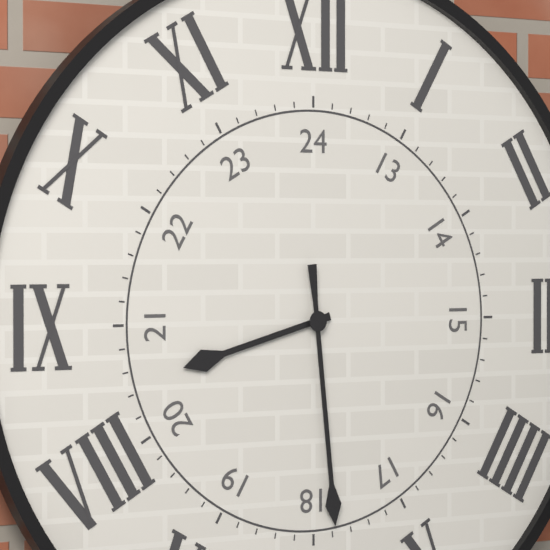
8.29
